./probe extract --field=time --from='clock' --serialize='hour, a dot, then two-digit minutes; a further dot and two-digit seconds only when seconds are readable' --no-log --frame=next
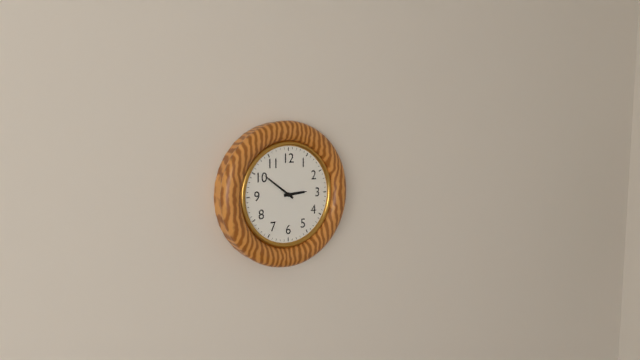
2.51
